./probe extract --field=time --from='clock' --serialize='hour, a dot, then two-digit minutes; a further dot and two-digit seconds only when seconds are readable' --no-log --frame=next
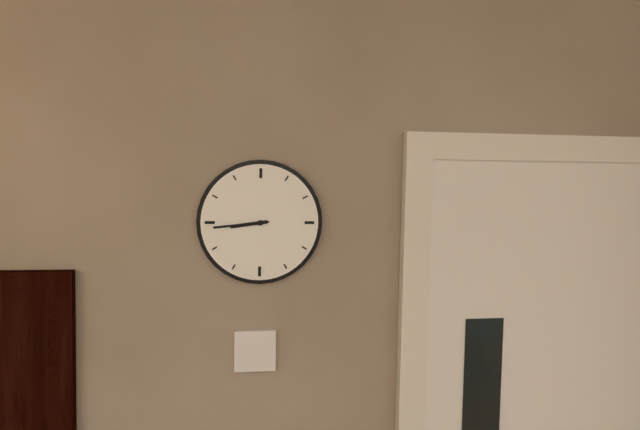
8.44
